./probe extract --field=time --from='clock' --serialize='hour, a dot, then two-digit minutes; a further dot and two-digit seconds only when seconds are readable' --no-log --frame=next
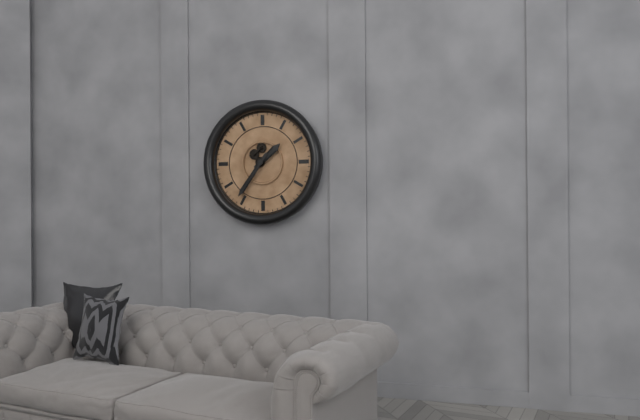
1.36
